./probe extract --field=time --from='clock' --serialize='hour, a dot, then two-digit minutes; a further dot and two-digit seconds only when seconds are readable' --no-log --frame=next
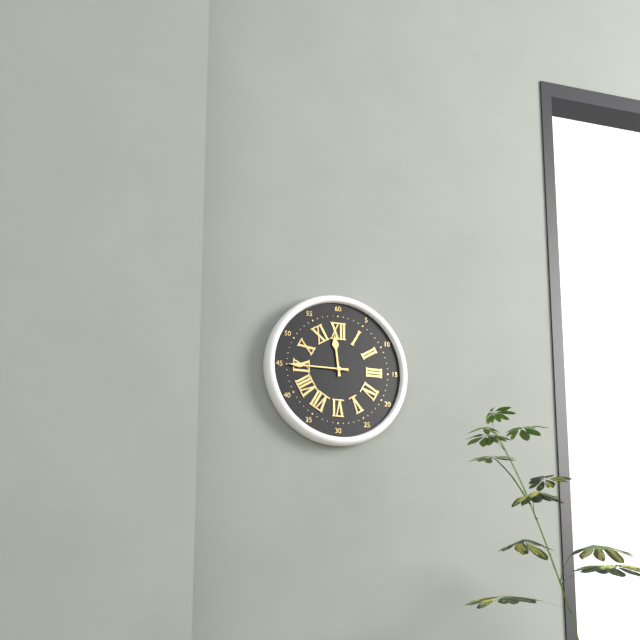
11.45
